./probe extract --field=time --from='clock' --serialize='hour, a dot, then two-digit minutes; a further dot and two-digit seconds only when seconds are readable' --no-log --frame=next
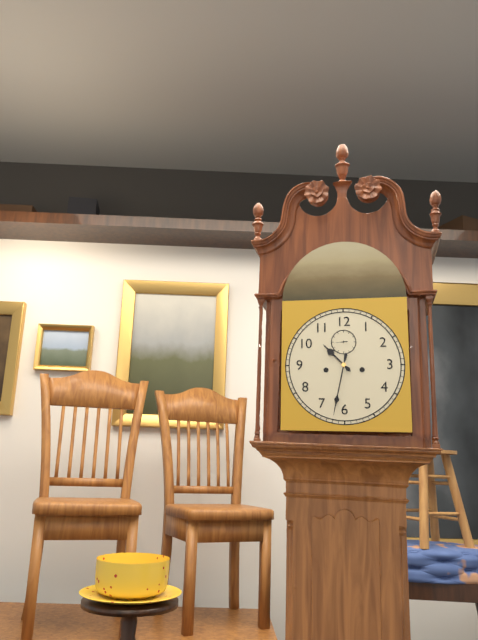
10.32
